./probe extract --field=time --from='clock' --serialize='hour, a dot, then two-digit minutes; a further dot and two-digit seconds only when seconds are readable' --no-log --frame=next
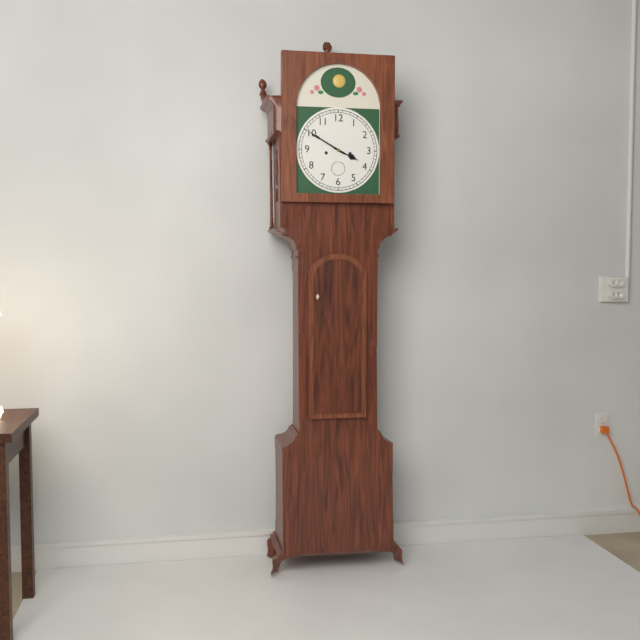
3.50
